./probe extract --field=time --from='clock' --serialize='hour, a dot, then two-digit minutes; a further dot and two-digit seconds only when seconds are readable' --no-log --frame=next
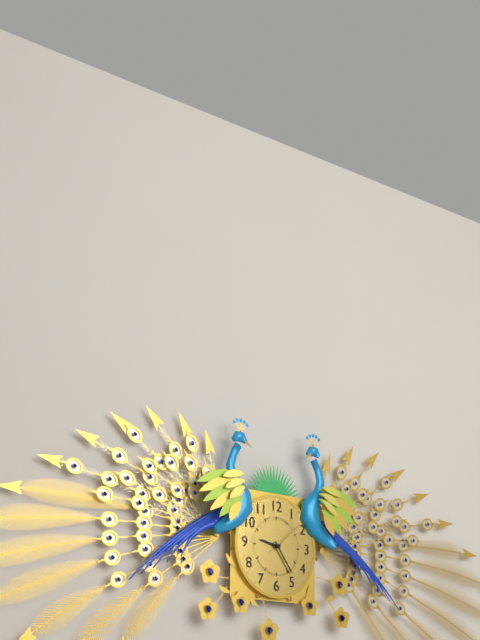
9.24
